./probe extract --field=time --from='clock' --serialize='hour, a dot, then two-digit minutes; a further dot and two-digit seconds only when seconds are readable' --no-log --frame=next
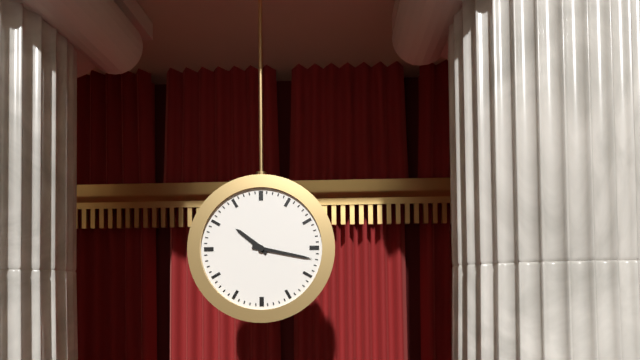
10.17
